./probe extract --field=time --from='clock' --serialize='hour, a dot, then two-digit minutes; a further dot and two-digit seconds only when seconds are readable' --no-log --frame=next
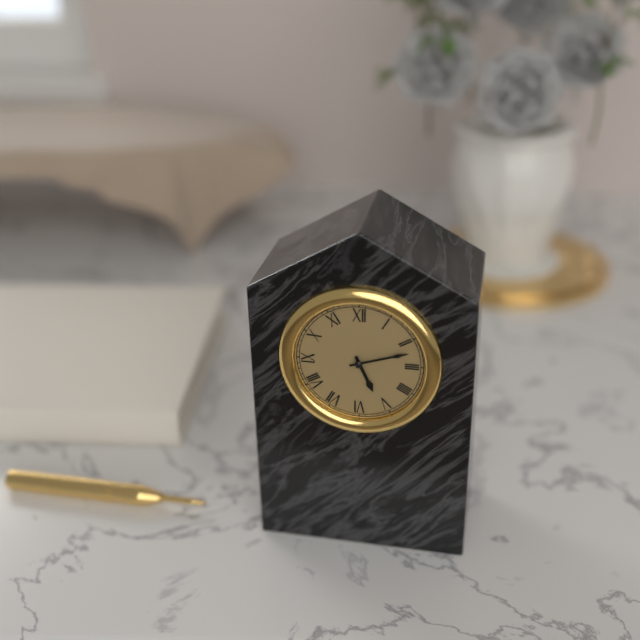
5.12
